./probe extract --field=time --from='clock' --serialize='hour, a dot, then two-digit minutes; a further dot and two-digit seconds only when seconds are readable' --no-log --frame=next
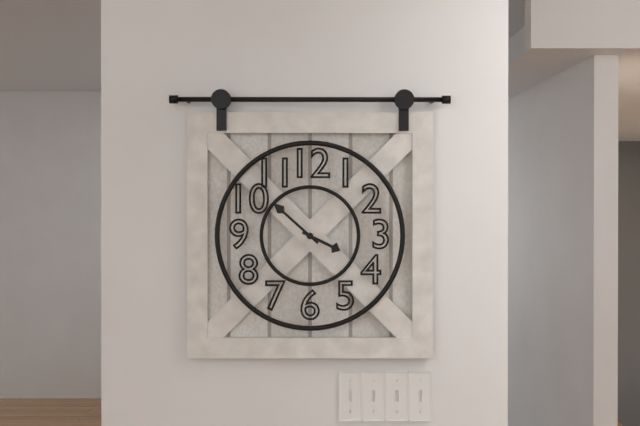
3.52
